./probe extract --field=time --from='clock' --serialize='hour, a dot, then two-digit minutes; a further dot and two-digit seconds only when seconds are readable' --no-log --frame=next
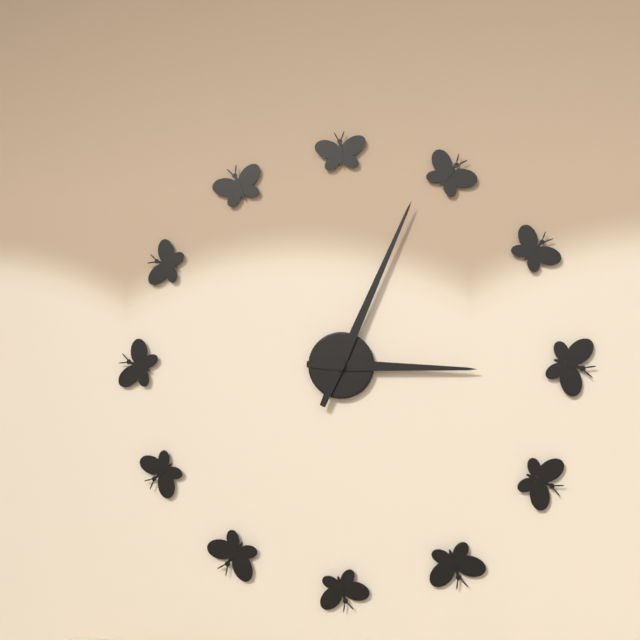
3.04
